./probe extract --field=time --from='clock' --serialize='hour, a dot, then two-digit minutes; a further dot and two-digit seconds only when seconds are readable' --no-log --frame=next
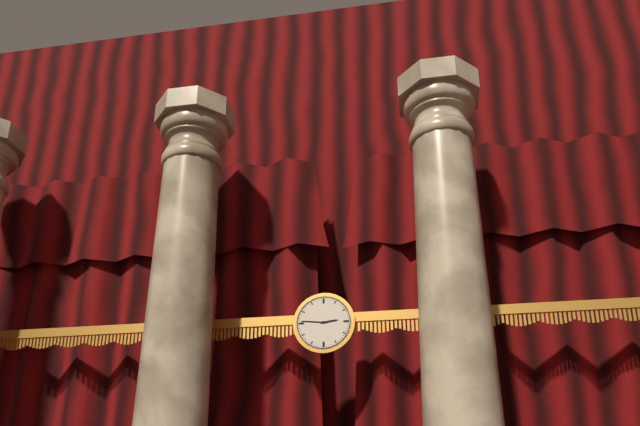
2.46
